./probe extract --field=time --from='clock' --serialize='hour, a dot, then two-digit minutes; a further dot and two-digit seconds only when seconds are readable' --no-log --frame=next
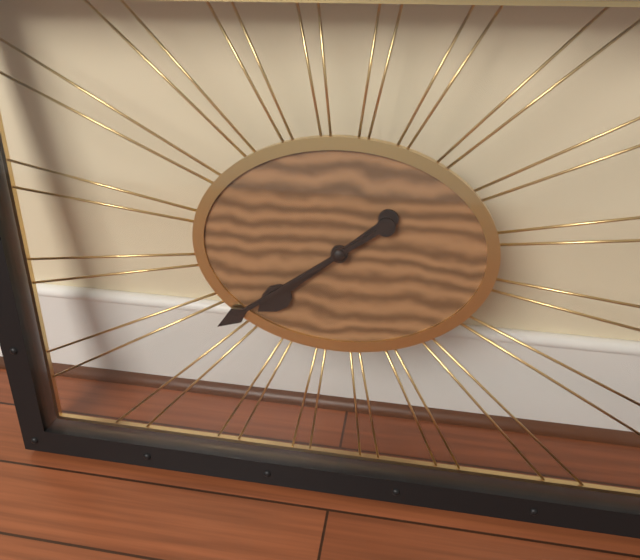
7.39
